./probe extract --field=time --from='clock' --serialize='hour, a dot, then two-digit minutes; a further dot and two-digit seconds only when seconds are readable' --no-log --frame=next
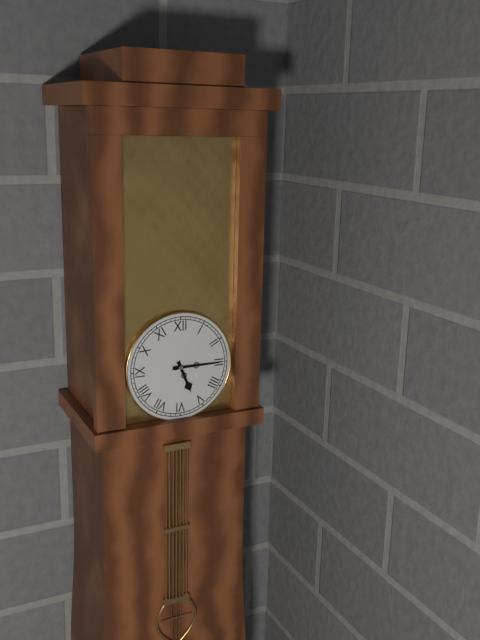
5.15
